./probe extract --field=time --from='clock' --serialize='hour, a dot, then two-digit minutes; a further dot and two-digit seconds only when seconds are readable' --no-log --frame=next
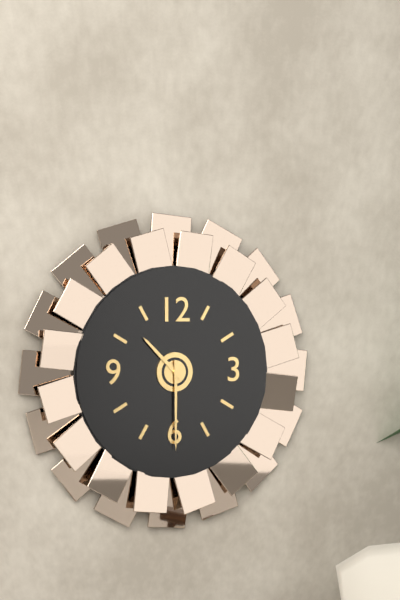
10.30
